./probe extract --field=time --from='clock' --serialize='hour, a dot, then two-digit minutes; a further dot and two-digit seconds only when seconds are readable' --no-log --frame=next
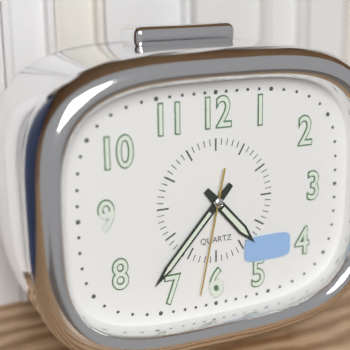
4.37.32
